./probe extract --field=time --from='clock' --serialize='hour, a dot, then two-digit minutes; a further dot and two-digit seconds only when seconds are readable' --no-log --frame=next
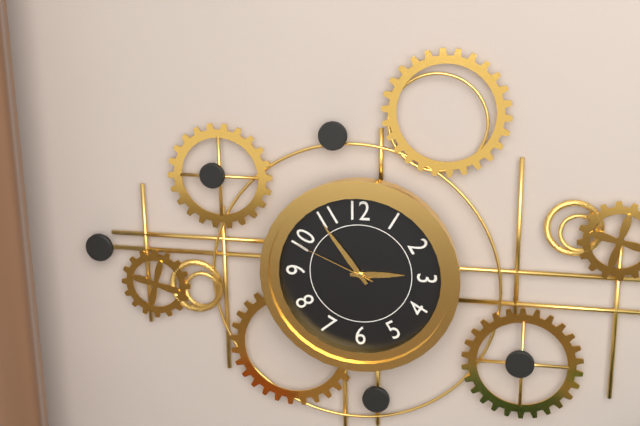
2.54.49
